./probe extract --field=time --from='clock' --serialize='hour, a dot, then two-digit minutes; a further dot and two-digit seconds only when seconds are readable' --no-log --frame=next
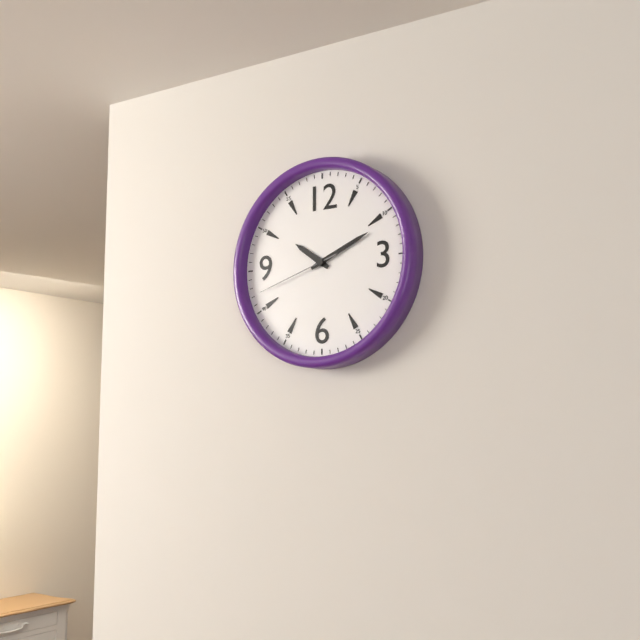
10.11.42
